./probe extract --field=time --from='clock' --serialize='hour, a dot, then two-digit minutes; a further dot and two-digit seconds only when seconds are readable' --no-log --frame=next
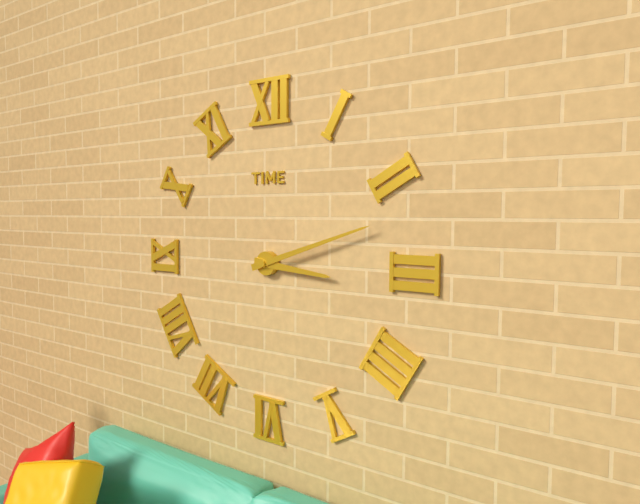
3.12
